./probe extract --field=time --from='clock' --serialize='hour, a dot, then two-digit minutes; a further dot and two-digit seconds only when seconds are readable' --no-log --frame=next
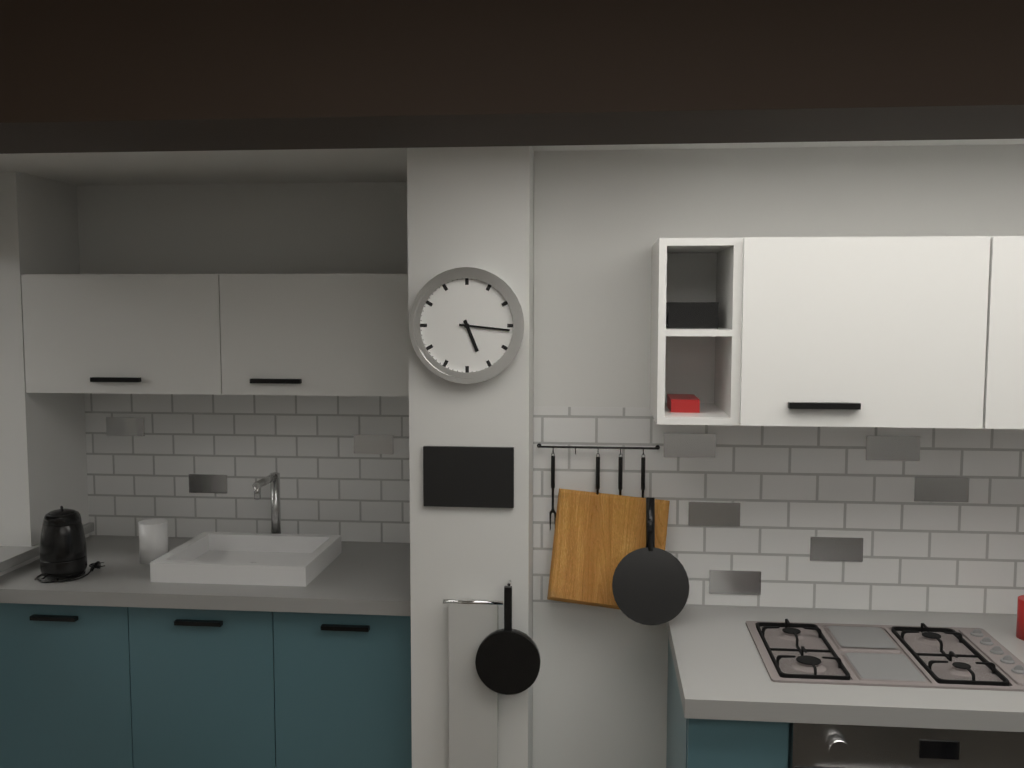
5.16
